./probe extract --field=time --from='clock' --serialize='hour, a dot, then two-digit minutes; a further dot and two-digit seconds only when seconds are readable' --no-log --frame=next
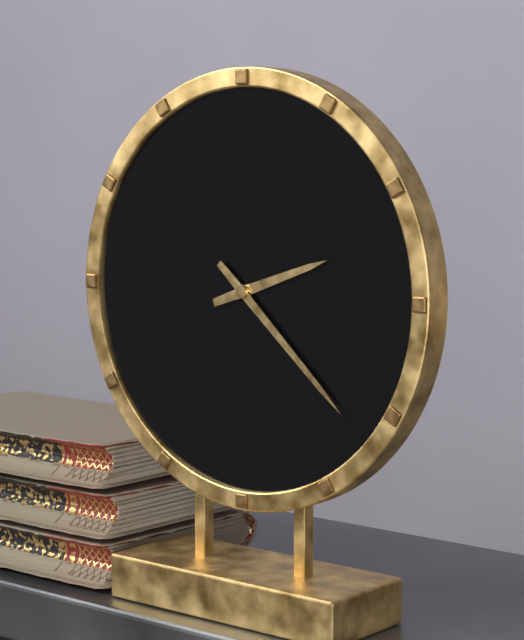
2.22
